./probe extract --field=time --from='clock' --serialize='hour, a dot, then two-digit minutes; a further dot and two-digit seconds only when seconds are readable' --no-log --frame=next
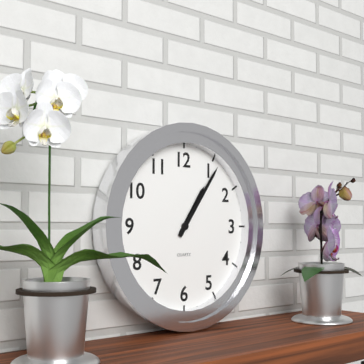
1.06
